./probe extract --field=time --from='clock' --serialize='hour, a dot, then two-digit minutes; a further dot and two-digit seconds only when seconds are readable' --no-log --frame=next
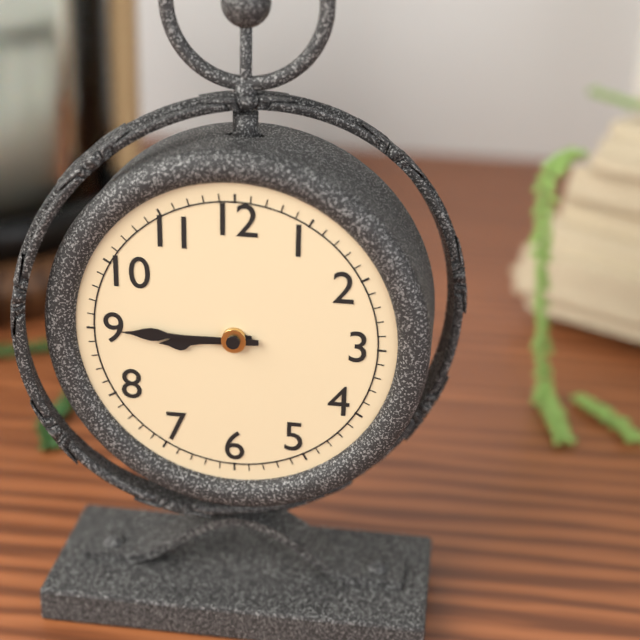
8.45
